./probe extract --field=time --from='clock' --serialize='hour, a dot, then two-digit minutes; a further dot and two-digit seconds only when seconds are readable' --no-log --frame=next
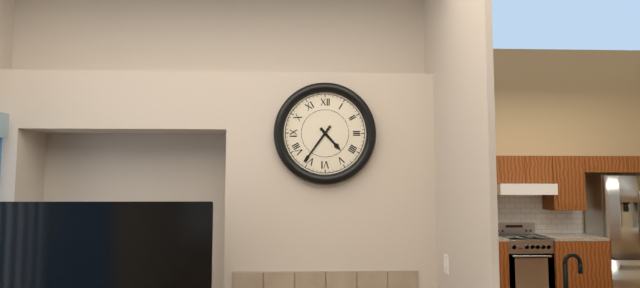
4.36
